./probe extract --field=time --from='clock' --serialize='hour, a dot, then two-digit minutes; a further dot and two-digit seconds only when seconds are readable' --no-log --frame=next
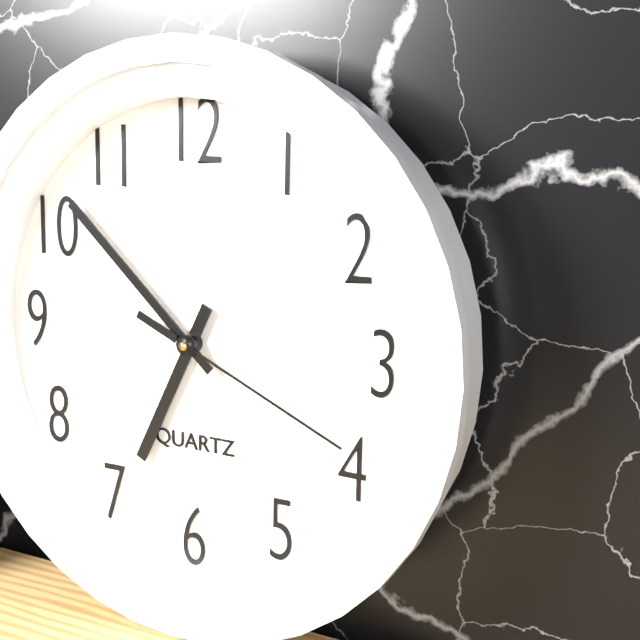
6.52.19
